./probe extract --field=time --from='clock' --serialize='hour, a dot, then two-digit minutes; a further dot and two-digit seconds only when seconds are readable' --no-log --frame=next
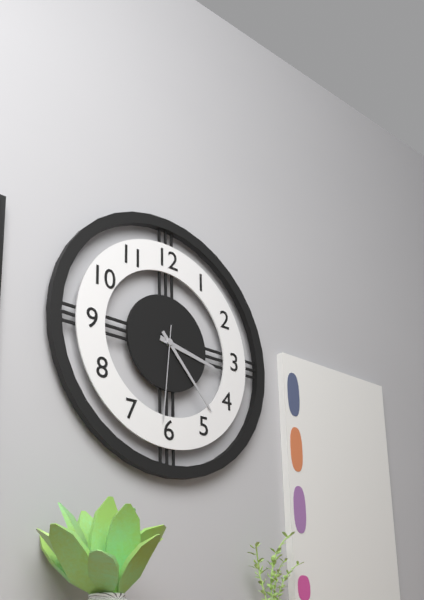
3.23.31
